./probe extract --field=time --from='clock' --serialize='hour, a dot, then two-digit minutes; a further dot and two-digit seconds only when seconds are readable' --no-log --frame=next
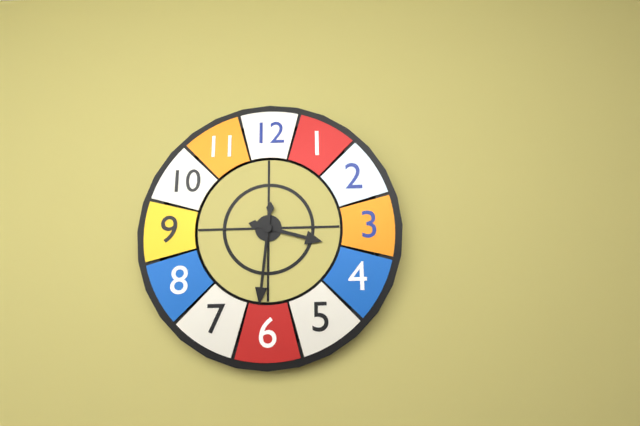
3.31
